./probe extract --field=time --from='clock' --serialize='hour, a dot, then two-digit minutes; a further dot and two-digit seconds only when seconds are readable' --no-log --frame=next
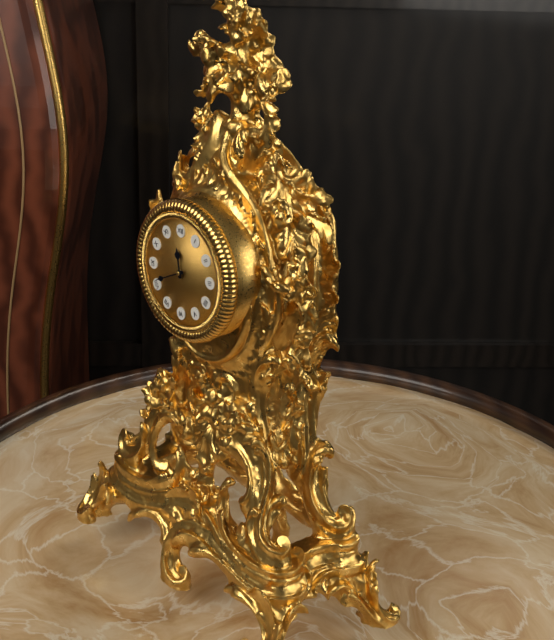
11.41
